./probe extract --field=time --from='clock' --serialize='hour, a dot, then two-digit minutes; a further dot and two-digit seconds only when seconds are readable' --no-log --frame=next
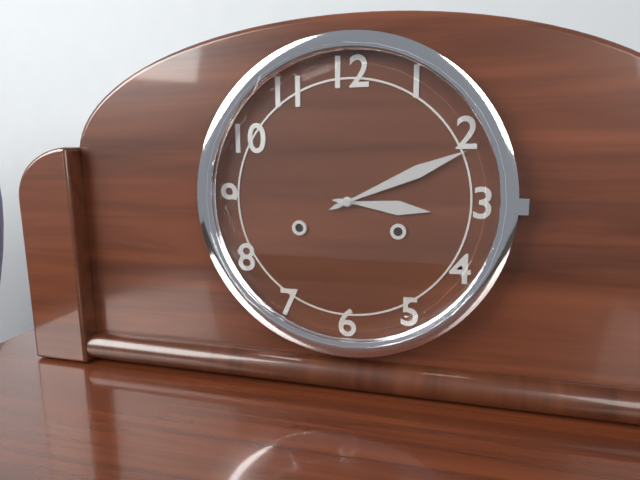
3.11
